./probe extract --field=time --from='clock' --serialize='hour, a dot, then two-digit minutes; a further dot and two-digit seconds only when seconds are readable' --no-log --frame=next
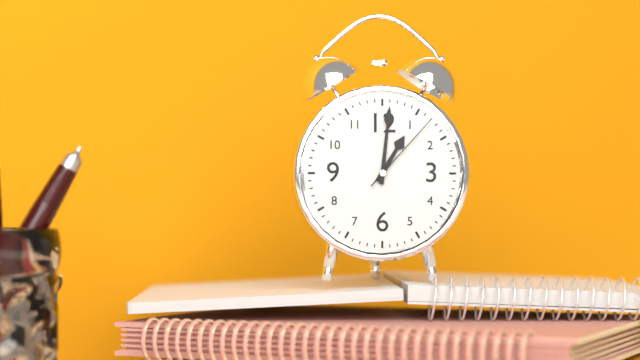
1.01.07
